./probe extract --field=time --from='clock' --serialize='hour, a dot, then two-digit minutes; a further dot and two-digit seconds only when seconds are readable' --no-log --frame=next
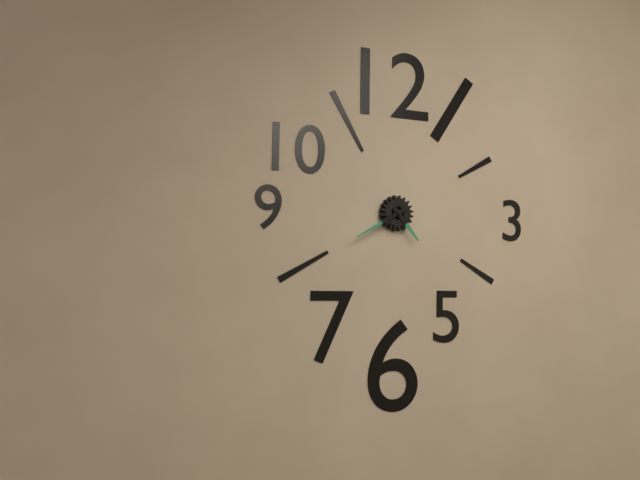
4.40
